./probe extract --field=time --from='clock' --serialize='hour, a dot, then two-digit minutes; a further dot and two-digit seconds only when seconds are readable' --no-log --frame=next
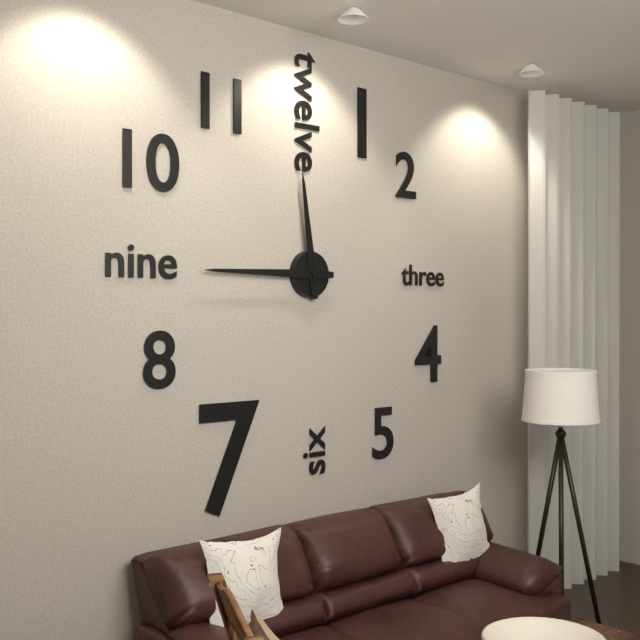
11.45
